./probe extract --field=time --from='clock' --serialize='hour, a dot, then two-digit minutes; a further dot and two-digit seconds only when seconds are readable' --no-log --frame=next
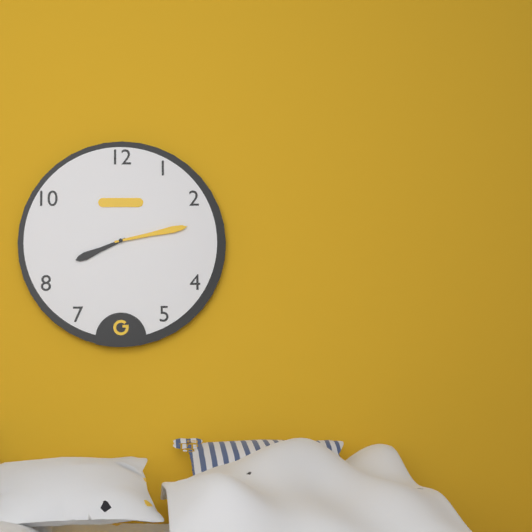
8.13
